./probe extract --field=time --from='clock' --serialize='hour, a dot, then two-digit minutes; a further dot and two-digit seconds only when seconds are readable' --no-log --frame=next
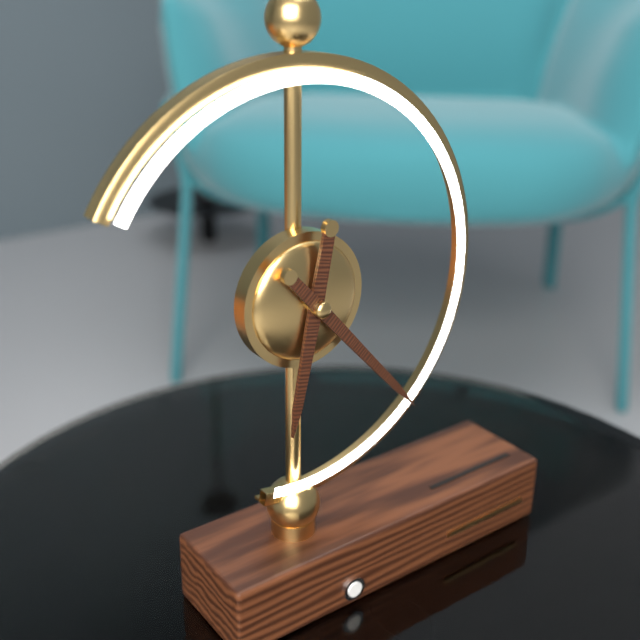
6.23
